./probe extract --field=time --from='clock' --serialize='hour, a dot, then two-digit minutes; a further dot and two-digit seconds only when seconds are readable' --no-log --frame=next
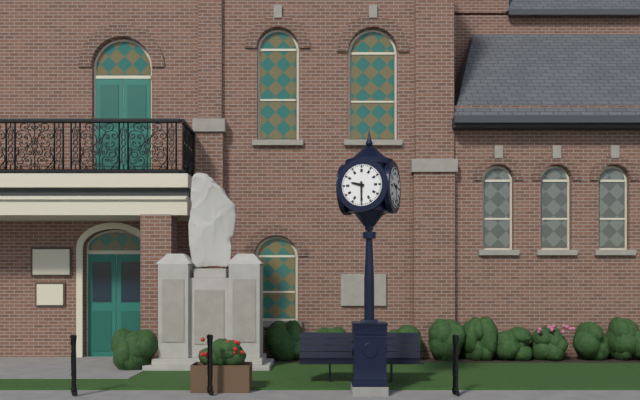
9.30
